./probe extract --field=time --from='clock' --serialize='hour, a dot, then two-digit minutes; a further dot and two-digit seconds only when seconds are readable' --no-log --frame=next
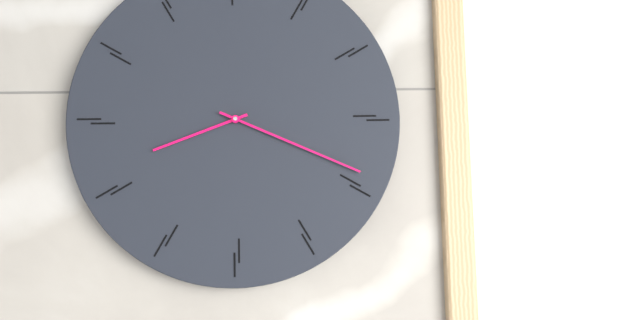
8.19
